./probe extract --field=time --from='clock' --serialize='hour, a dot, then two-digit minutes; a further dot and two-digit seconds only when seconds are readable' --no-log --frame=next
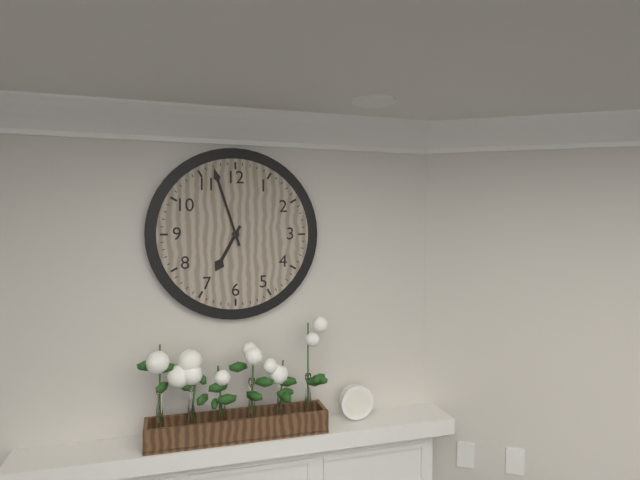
6.57
